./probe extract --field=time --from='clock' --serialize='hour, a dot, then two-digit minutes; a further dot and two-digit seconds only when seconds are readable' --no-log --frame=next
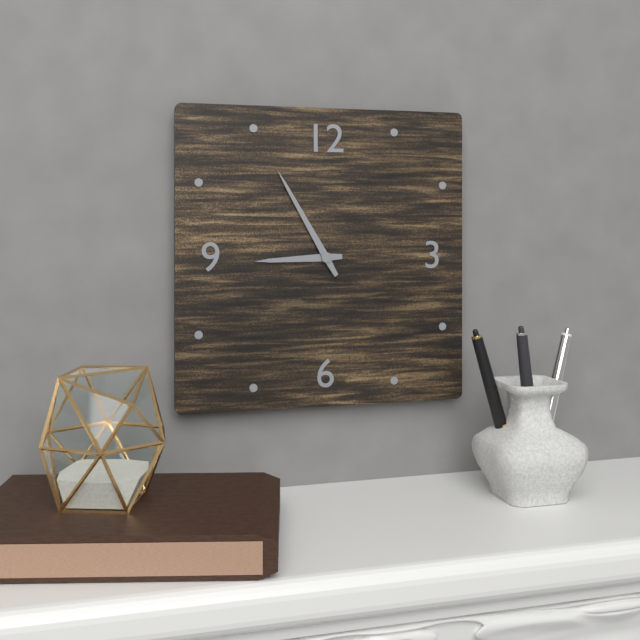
8.55
